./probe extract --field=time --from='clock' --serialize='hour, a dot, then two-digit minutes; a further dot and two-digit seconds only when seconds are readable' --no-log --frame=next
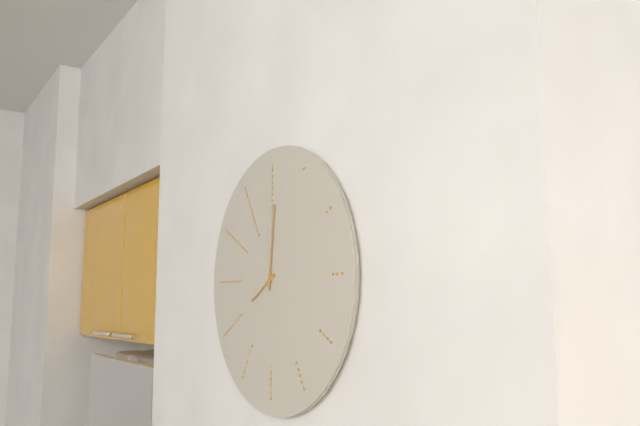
8.01
